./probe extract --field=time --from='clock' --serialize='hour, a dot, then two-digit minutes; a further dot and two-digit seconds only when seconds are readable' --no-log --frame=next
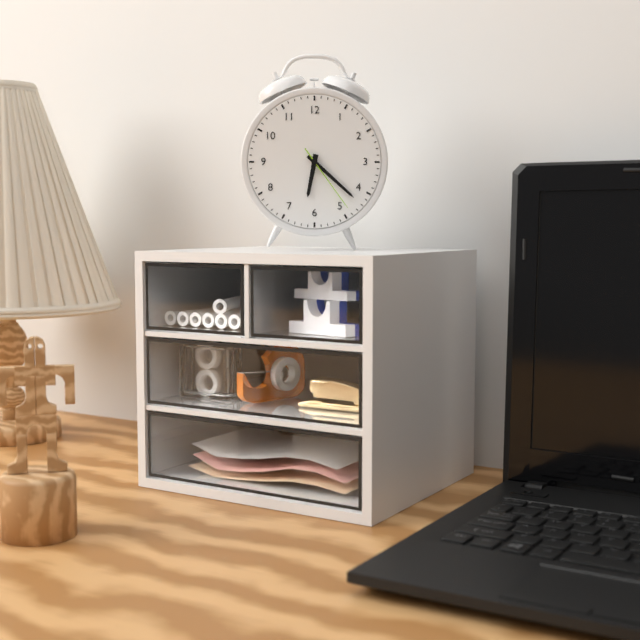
6.22.24
